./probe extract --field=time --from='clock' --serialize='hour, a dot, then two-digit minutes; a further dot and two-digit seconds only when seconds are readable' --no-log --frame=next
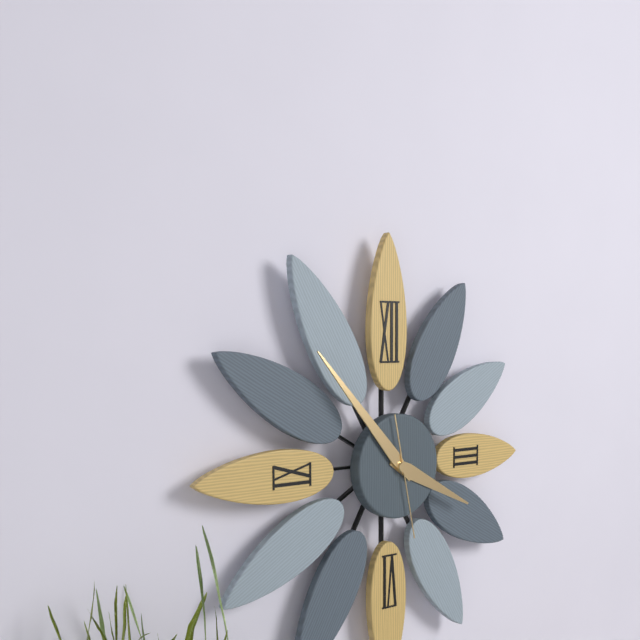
3.53.28
